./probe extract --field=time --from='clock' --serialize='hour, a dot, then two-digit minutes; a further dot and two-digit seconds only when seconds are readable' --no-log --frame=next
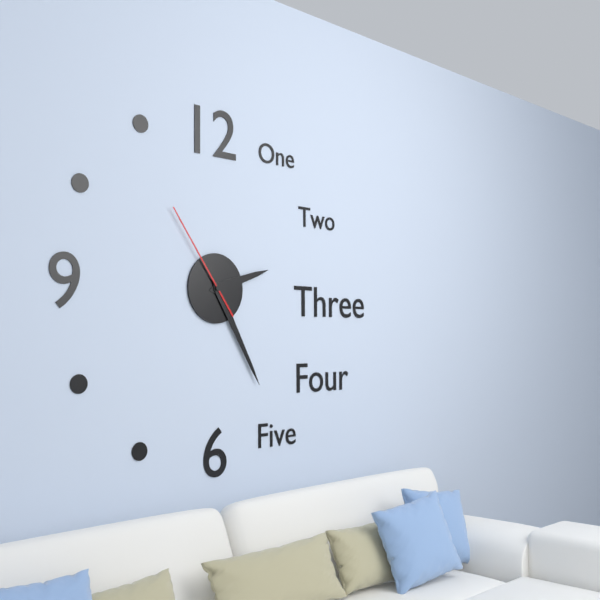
2.25.54
